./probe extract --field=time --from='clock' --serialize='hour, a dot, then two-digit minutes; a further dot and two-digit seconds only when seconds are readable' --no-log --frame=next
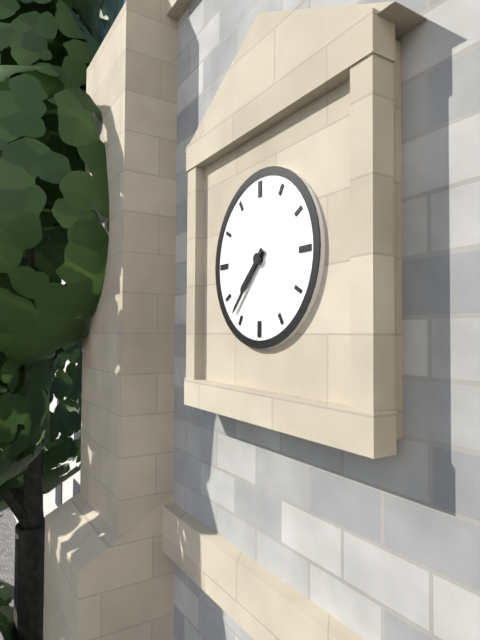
7.37
